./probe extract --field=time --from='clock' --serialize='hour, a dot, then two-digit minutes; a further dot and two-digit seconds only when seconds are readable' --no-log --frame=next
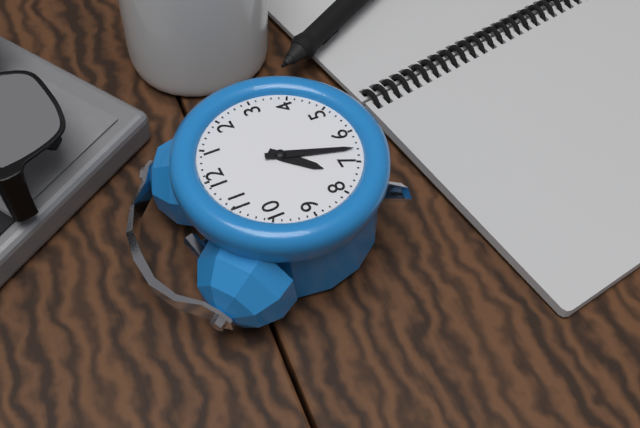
7.33
